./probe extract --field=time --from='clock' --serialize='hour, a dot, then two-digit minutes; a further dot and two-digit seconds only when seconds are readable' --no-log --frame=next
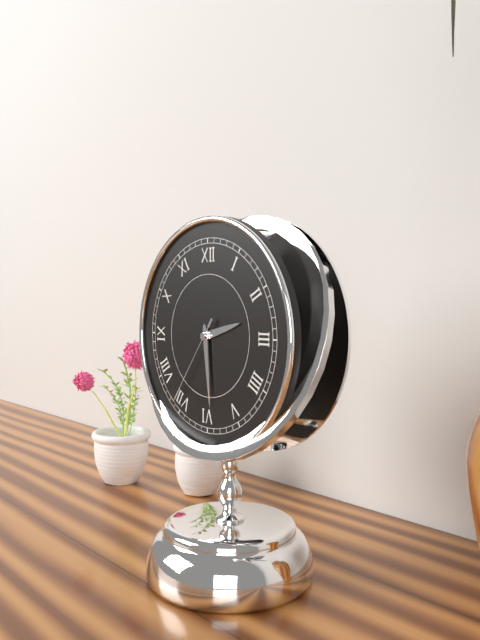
2.29.36
